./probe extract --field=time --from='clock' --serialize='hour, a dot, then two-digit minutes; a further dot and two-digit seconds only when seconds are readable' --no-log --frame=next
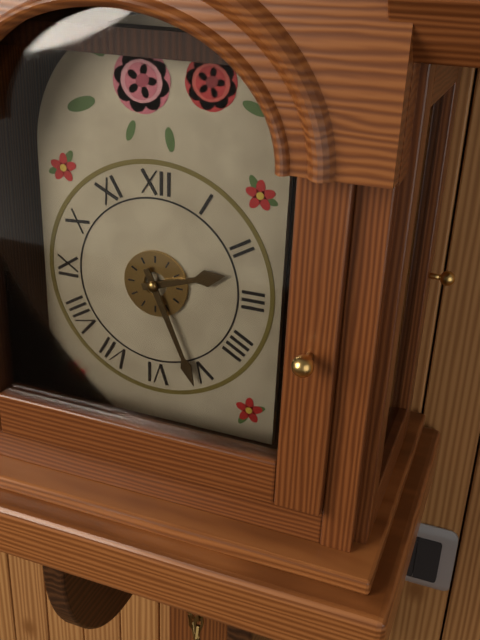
2.26
